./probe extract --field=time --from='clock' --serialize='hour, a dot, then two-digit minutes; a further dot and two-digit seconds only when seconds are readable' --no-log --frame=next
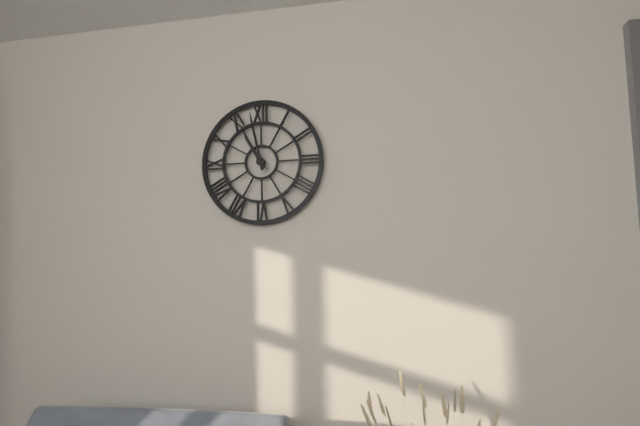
10.58
